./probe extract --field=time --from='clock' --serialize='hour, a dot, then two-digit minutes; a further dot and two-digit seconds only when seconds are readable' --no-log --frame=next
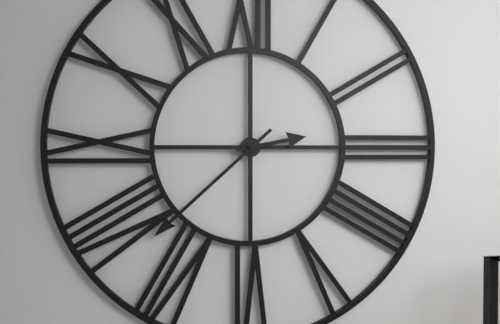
2.38
